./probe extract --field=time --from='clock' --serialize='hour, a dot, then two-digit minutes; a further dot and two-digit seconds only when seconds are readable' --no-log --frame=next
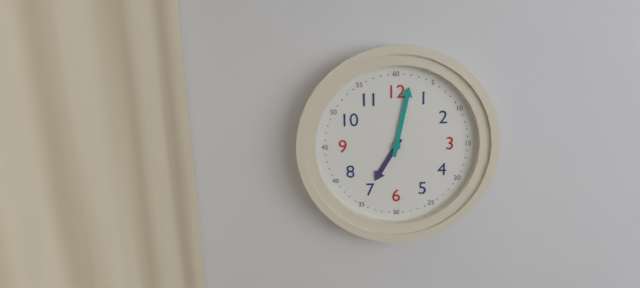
7.02
